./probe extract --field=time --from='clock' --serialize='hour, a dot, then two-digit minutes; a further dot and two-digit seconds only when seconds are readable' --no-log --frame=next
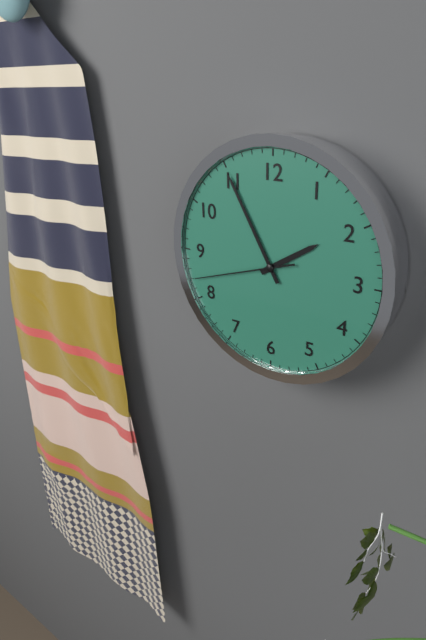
1.55.42
